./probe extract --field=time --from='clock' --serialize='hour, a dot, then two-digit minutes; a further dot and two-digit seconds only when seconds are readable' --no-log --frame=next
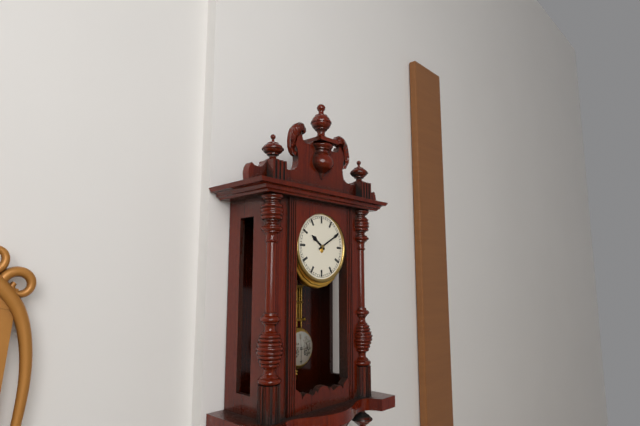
10.10
